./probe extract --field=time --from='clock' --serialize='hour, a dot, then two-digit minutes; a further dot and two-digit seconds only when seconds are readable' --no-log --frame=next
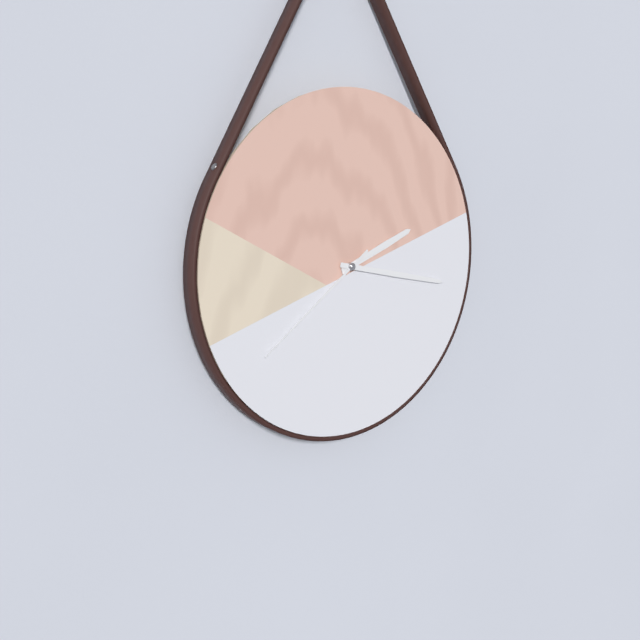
2.17.39
